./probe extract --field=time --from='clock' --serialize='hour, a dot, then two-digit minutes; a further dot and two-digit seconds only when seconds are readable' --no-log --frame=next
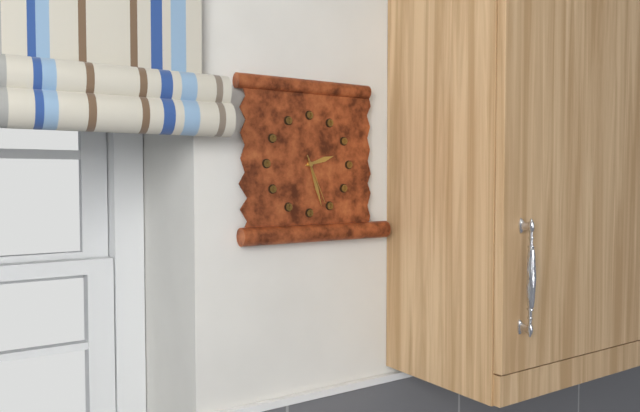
2.27.26
